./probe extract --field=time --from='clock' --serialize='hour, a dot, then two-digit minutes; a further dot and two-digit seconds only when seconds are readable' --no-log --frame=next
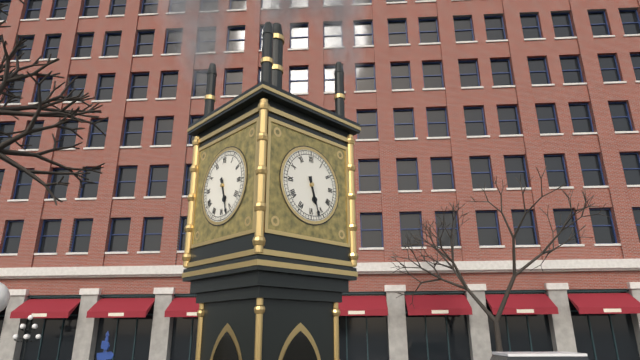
5.27
